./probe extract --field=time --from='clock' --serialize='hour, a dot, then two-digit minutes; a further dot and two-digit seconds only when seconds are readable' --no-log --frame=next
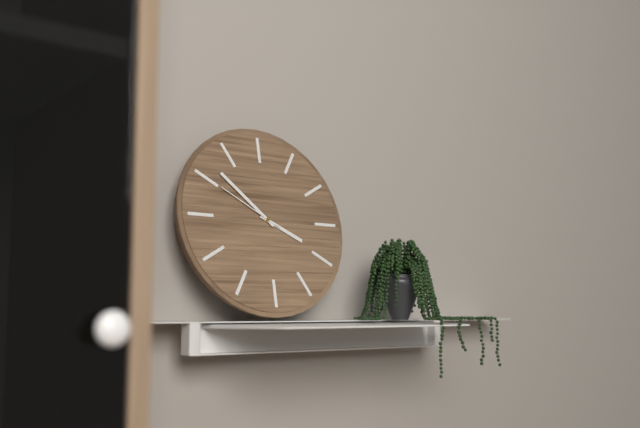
3.52.50
